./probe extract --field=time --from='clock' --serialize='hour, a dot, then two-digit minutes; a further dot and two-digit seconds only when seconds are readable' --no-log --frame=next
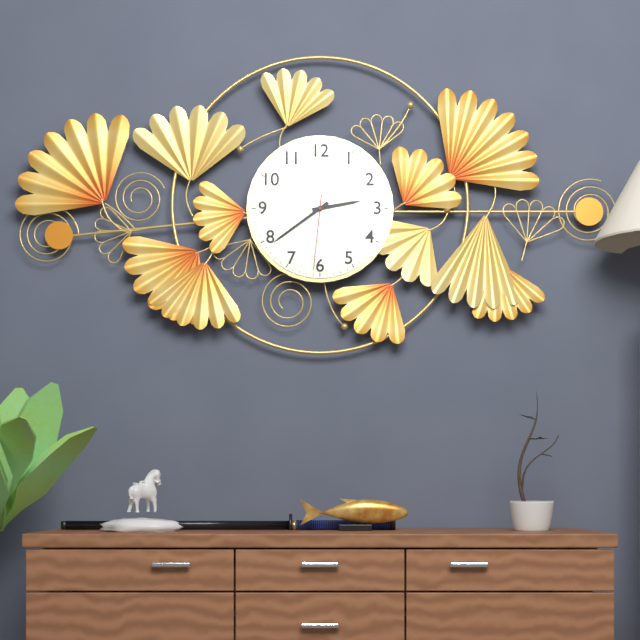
2.39.31
